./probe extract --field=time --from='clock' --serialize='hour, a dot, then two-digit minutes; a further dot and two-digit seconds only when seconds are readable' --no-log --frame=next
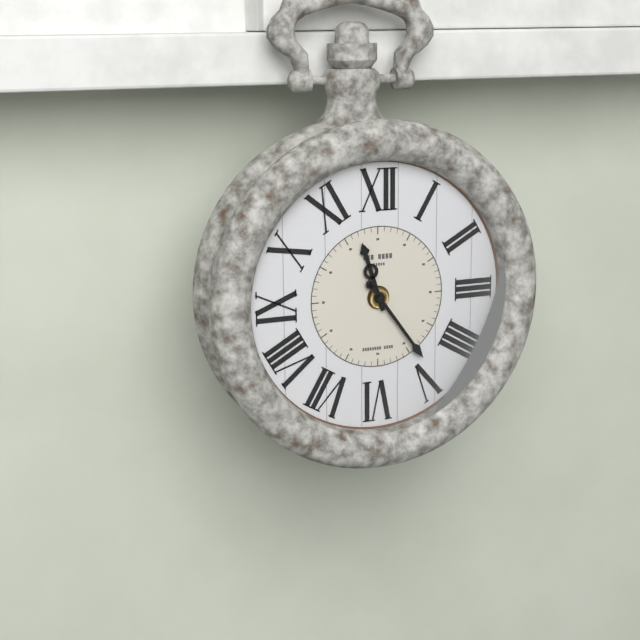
11.24
